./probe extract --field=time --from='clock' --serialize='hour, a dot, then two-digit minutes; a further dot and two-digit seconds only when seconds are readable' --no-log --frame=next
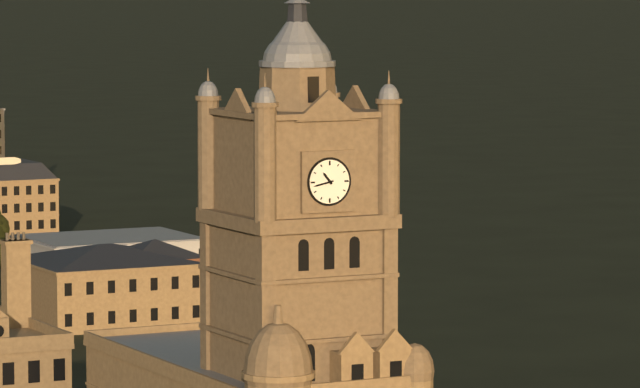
10.43
